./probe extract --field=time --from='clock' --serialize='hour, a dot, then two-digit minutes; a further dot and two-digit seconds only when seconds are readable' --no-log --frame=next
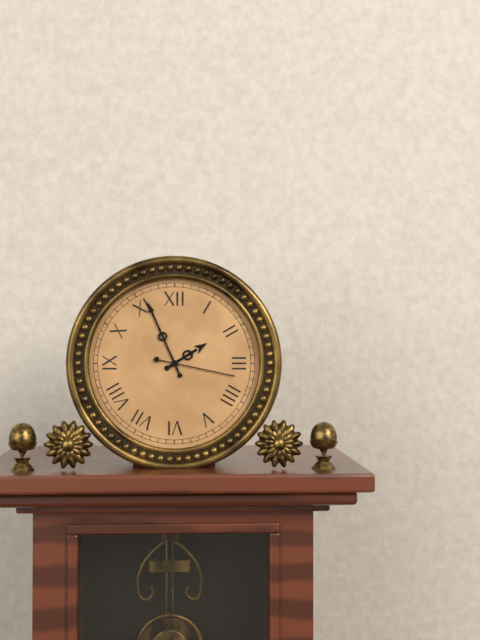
1.56.17
